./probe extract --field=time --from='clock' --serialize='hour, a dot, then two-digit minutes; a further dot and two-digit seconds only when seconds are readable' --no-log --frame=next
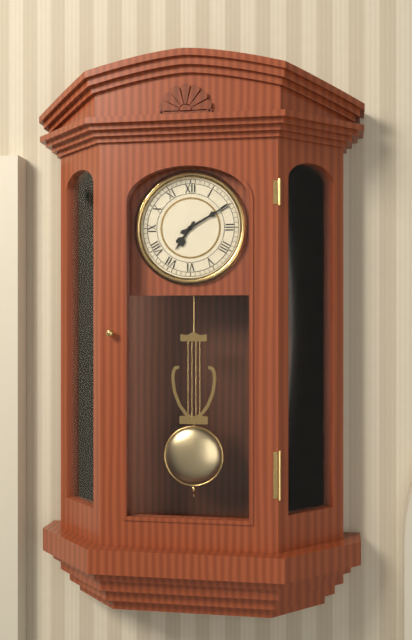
7.10
